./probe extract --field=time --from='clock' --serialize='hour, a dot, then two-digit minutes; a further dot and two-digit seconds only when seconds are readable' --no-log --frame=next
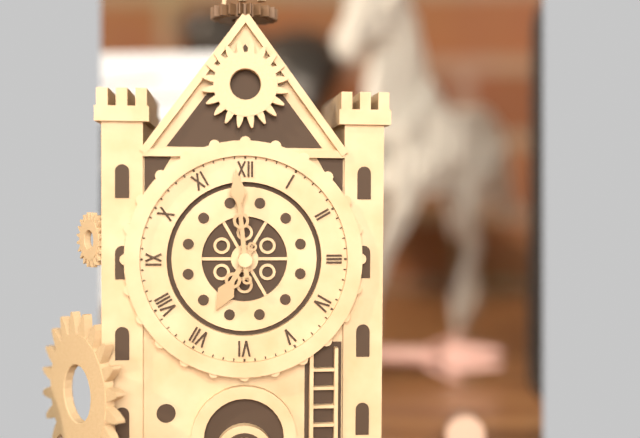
6.59
